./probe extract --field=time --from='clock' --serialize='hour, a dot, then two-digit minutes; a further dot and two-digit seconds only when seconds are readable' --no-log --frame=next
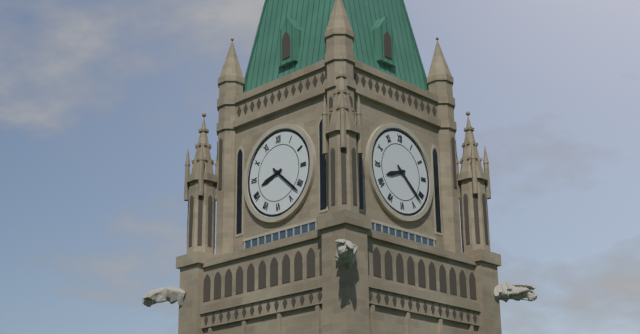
8.22
